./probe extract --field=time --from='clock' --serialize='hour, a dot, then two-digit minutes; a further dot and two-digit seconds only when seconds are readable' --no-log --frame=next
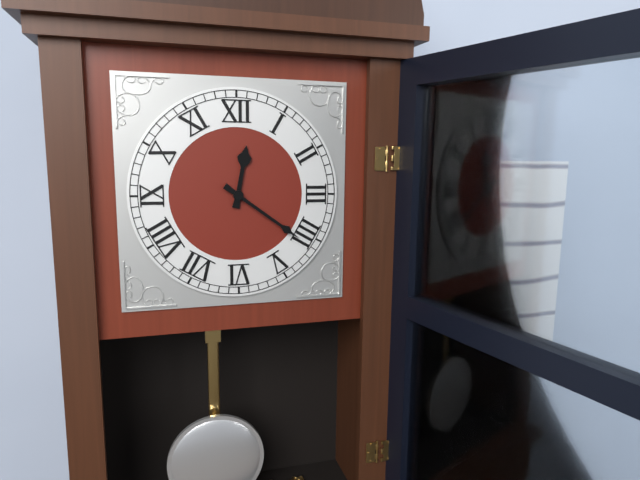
12.21
